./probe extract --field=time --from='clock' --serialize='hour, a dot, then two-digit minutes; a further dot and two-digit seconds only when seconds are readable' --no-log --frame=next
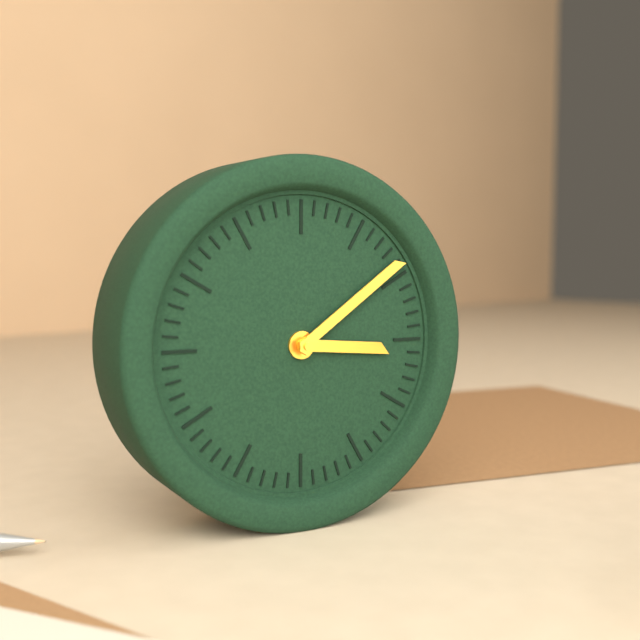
3.09
